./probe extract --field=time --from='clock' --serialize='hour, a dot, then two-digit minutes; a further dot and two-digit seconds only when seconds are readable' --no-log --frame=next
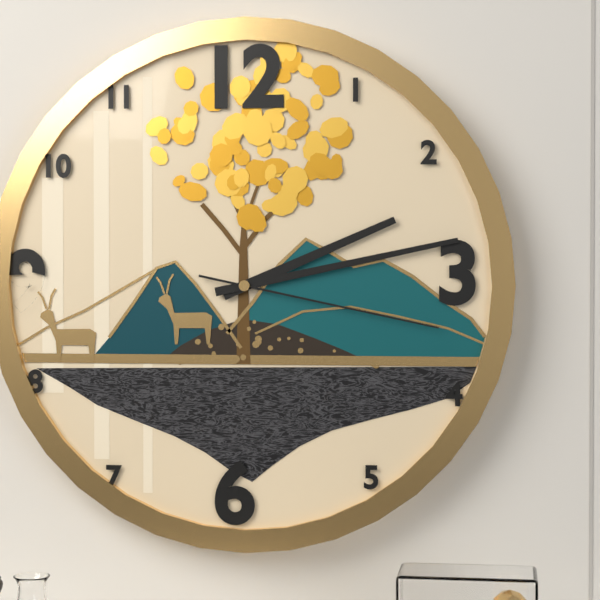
2.13.17
